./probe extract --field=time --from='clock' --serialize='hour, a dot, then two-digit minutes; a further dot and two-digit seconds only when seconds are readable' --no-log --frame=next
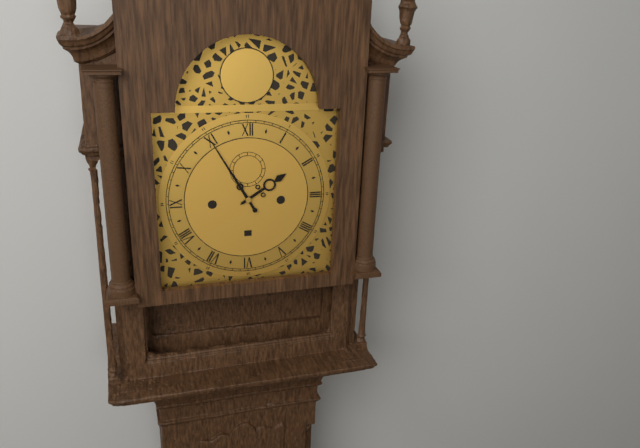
1.55
